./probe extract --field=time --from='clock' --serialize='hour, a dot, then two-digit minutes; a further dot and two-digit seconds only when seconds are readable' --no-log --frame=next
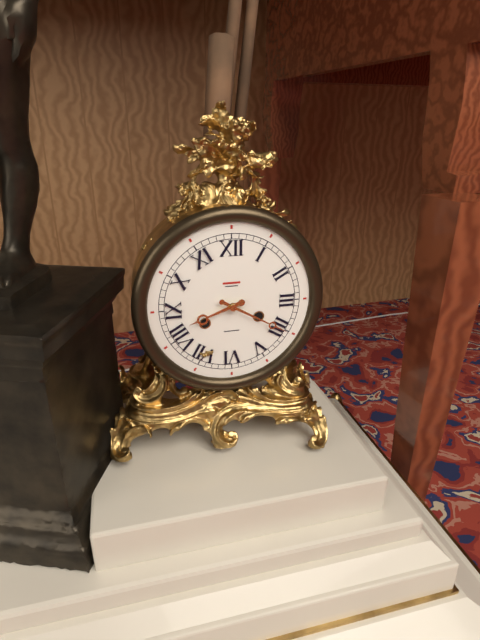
8.20
